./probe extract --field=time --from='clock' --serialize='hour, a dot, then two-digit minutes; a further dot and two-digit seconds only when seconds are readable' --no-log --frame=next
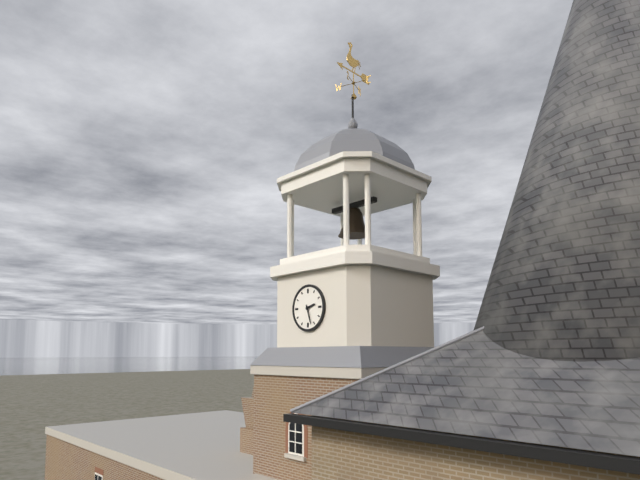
2.27
